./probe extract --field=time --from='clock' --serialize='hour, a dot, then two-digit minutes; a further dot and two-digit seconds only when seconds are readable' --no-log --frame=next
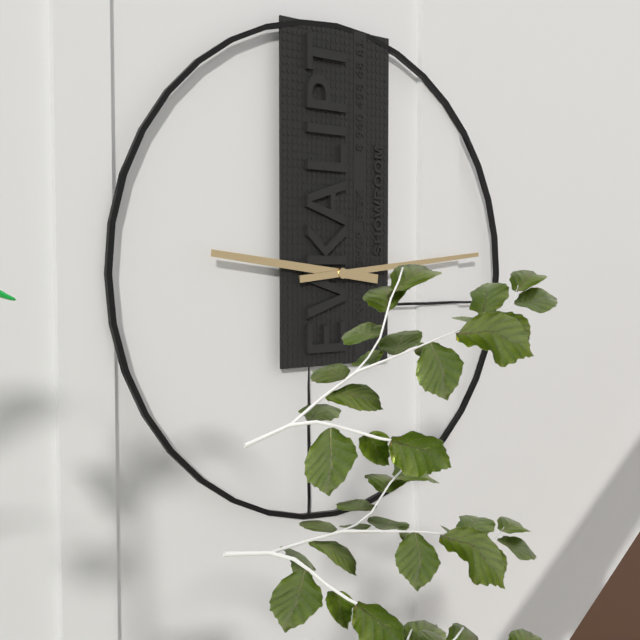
9.14
